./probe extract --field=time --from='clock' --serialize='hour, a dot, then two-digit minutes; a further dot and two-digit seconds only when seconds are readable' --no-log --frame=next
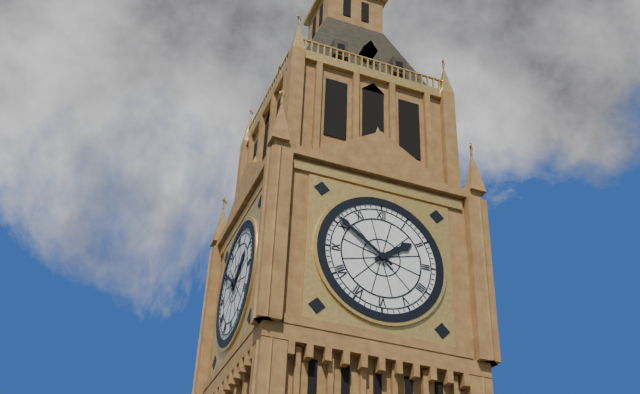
1.51
